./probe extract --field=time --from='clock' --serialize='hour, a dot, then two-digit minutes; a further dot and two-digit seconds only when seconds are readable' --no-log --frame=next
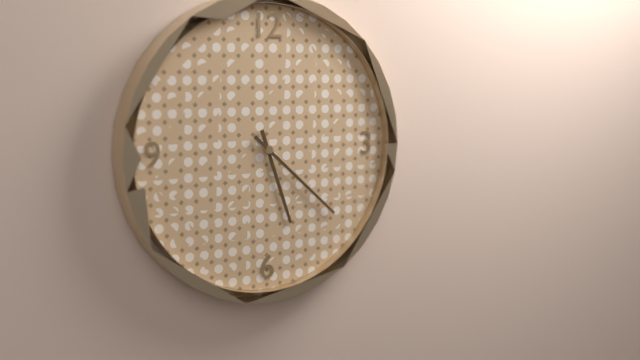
5.22
